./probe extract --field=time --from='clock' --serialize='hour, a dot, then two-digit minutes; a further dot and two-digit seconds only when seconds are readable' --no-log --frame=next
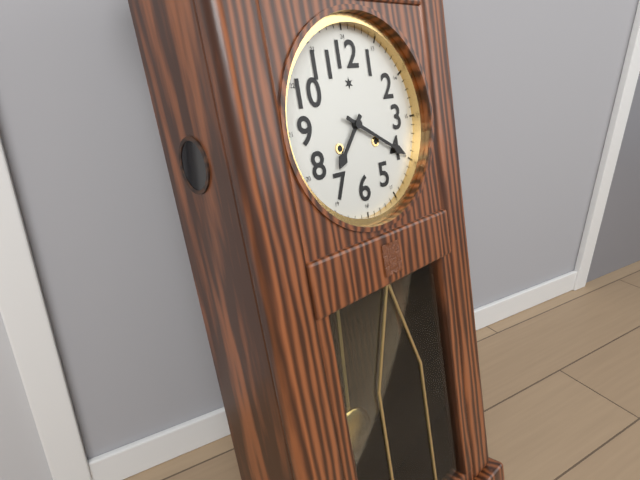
7.20
